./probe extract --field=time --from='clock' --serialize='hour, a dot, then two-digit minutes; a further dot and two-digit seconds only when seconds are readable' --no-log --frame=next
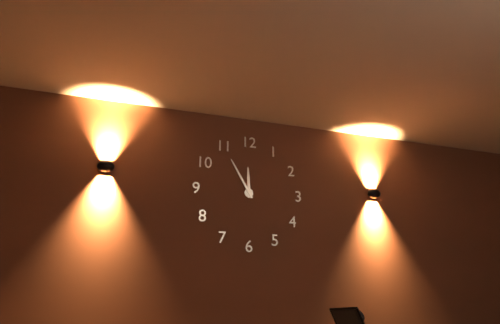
11.55
